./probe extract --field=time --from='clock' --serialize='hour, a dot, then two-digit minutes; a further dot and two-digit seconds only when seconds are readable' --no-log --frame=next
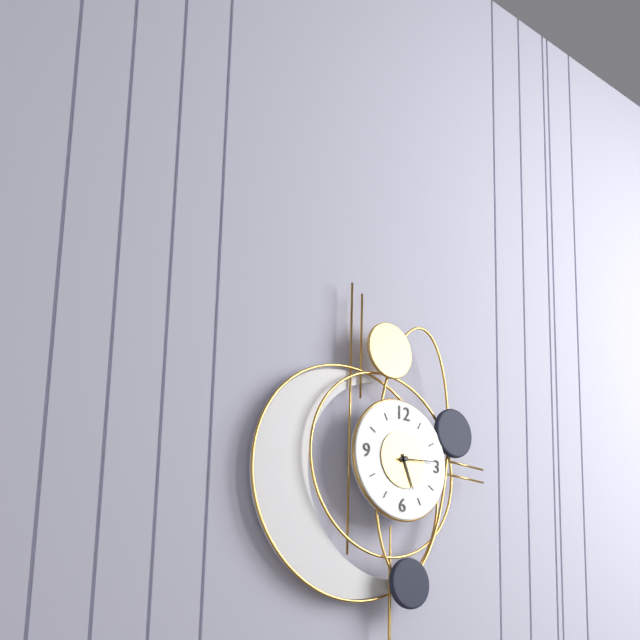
5.14
